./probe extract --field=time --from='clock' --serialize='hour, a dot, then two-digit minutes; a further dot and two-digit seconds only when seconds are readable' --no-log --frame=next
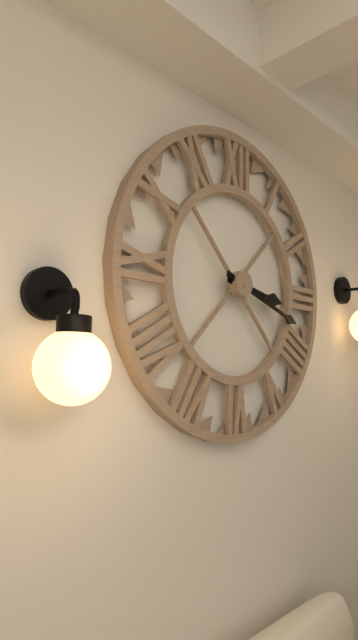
3.18
